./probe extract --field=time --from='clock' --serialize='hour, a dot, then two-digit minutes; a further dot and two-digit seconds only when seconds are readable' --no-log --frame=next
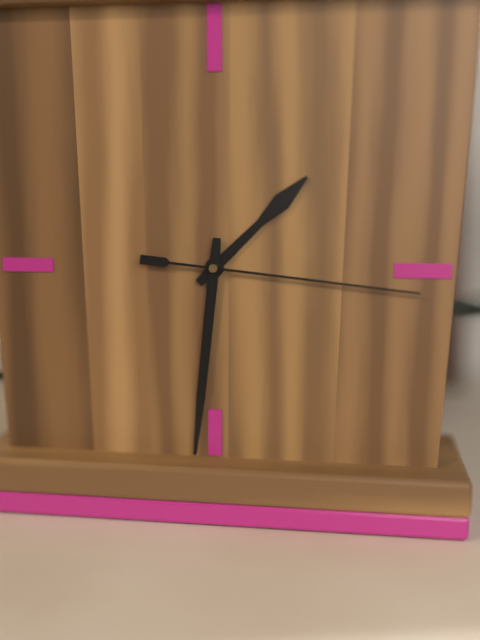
1.31.16
